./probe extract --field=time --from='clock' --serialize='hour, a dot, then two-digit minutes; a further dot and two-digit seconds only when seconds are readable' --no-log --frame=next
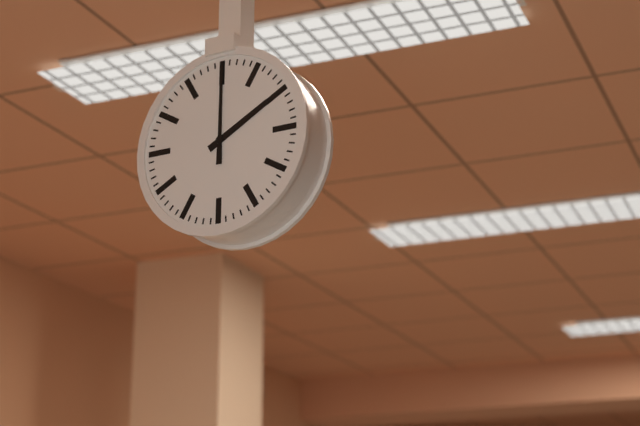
2.00
